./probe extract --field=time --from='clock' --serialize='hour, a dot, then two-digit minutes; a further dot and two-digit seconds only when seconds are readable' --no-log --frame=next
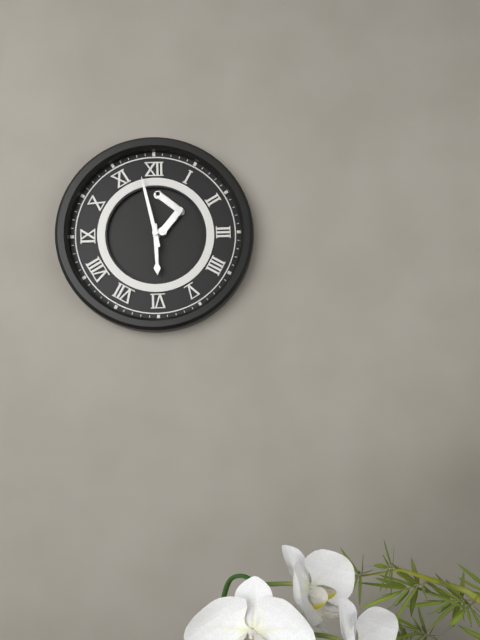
5.58
